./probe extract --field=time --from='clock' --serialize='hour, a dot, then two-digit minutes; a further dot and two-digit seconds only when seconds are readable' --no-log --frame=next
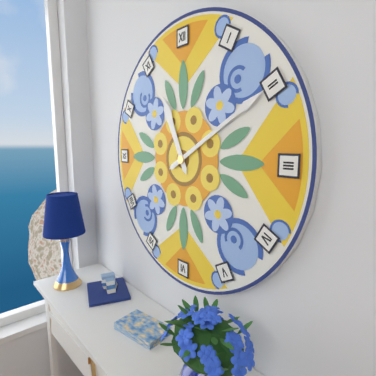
11.10
